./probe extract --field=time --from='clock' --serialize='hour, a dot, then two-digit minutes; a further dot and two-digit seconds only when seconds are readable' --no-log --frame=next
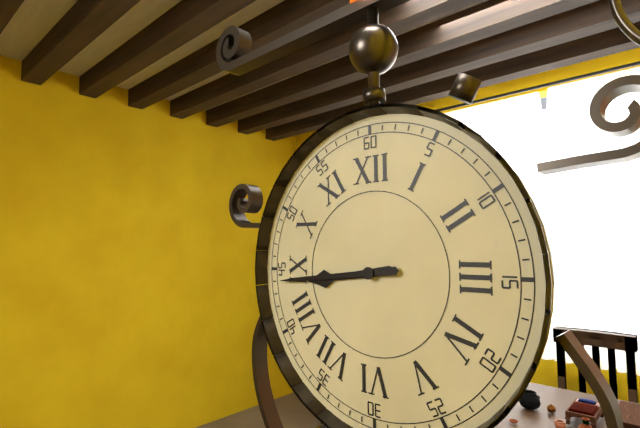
8.44
